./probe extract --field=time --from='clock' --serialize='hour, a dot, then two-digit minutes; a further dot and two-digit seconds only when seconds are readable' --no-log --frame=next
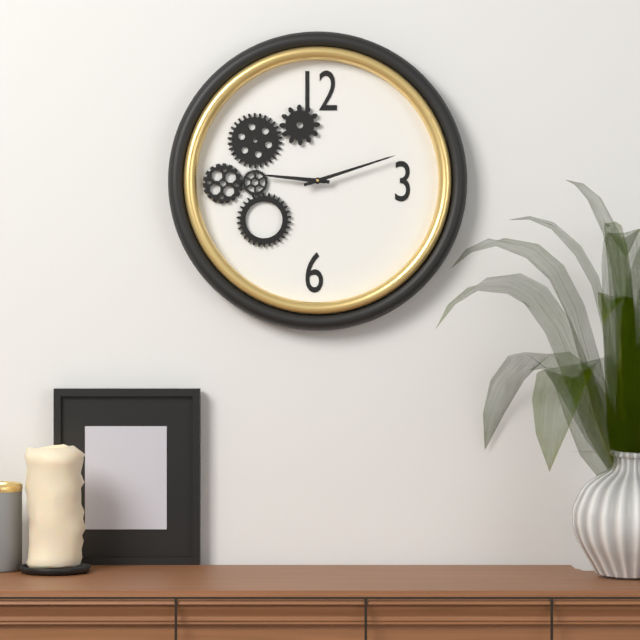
9.12
